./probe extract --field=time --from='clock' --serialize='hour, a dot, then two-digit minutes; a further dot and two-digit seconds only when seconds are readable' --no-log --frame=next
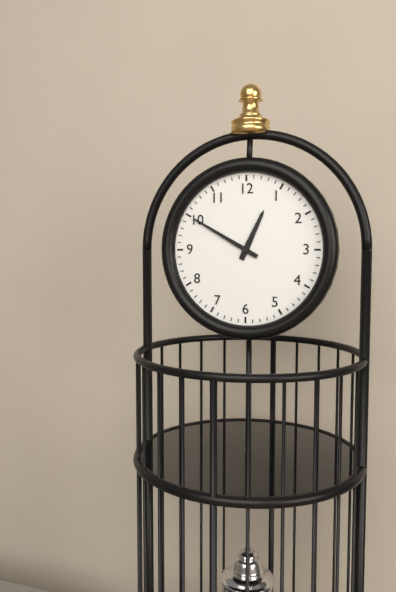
12.50
